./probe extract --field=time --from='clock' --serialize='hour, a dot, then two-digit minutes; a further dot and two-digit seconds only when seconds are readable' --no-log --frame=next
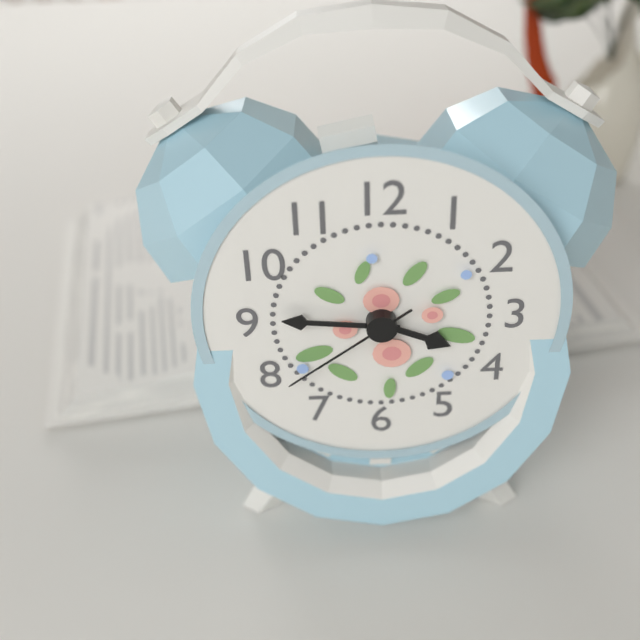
3.46.39
